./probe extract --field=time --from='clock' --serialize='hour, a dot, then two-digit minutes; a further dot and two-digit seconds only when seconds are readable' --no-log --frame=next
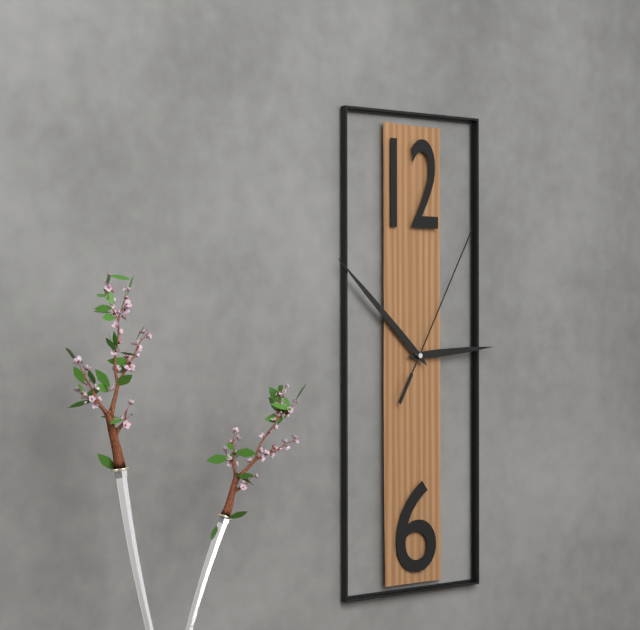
2.52.05
